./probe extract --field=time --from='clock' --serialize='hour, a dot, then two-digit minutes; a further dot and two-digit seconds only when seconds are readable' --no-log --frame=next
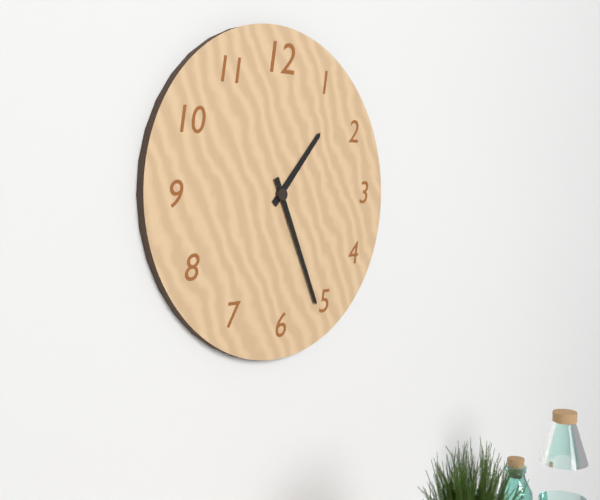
1.26
